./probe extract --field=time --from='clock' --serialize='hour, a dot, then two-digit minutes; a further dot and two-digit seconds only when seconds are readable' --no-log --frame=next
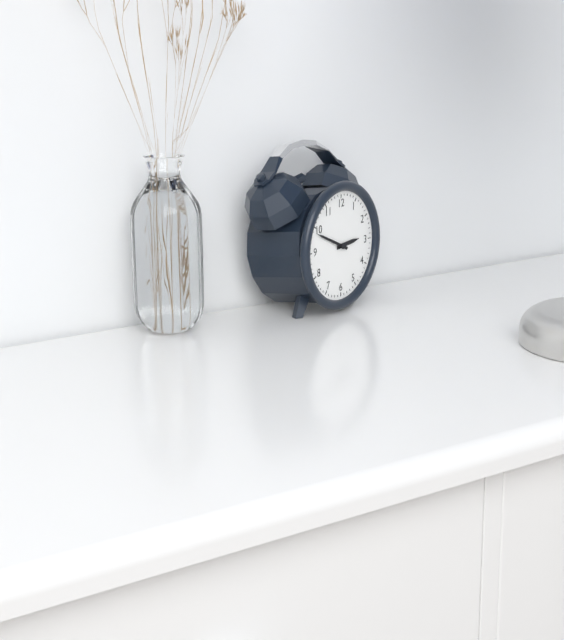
2.49
